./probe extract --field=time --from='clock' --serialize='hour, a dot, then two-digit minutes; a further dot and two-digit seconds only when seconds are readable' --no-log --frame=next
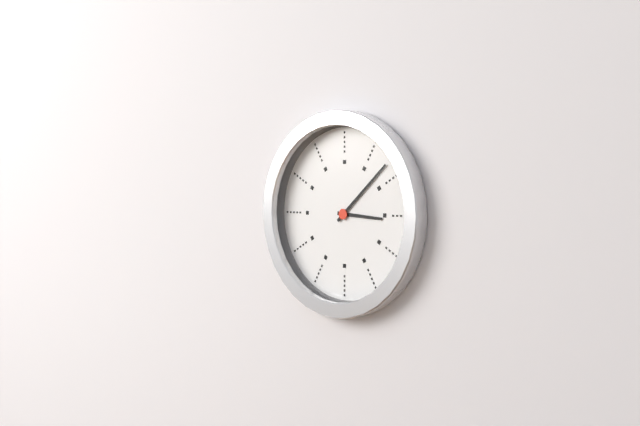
3.08
